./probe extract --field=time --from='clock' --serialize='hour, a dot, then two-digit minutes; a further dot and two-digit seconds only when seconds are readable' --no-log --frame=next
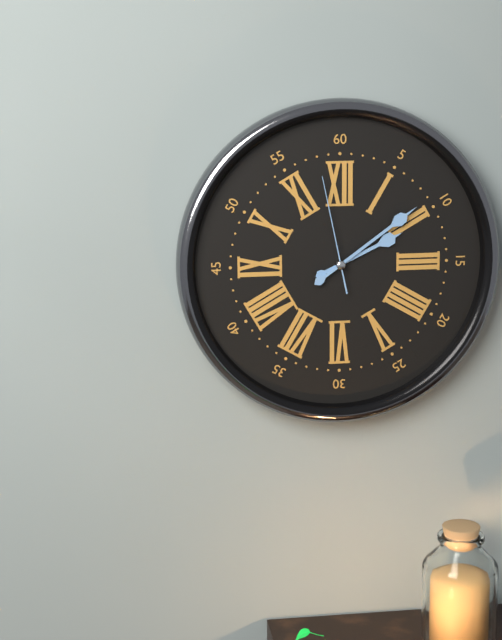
2.09.58
